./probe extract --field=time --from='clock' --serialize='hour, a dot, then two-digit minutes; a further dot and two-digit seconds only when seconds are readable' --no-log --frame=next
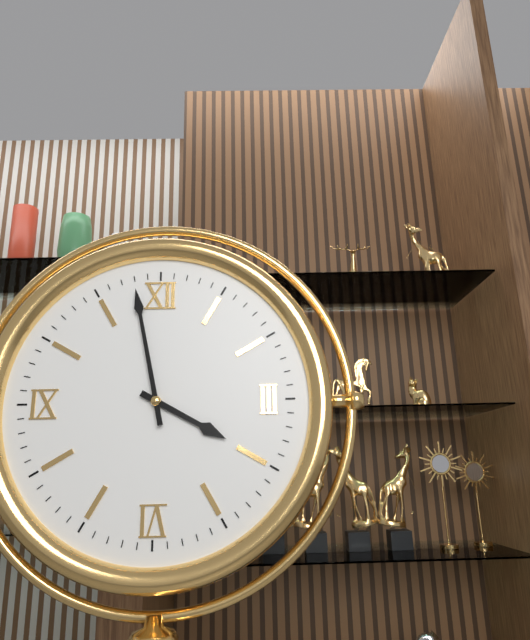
3.58
